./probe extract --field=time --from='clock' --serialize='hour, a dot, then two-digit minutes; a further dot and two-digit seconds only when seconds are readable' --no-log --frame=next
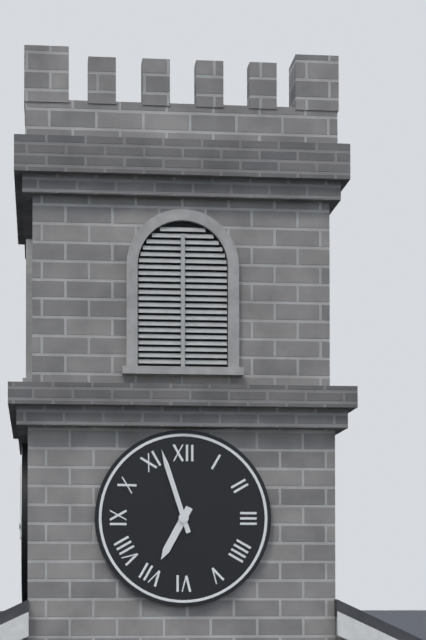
6.57
